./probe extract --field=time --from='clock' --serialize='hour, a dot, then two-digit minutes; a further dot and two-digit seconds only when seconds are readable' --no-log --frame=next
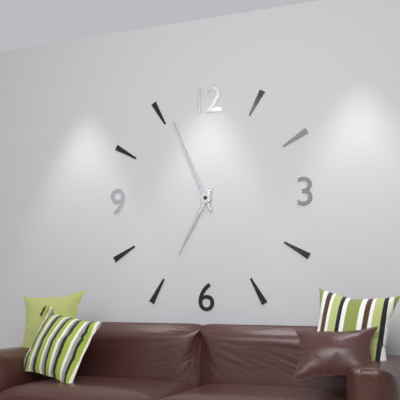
6.56
